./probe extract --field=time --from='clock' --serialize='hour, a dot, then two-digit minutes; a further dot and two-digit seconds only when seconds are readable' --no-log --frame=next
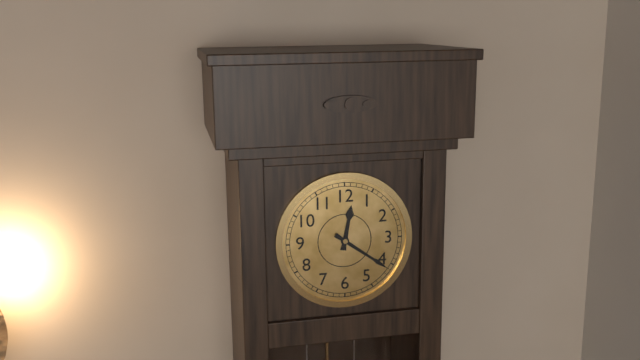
12.21
